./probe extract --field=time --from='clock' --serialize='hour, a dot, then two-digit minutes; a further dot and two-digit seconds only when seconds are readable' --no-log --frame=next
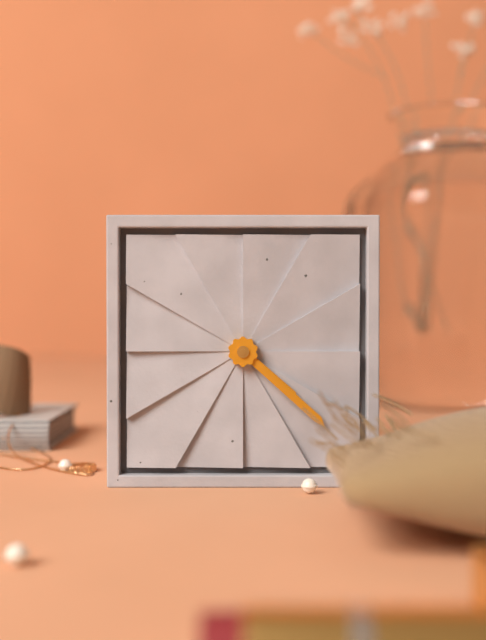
4.22
